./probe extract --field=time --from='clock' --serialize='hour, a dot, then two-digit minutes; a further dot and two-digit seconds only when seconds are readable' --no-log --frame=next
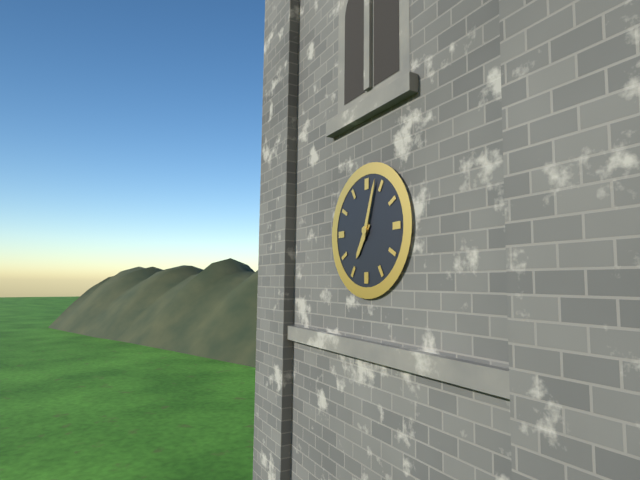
7.03
